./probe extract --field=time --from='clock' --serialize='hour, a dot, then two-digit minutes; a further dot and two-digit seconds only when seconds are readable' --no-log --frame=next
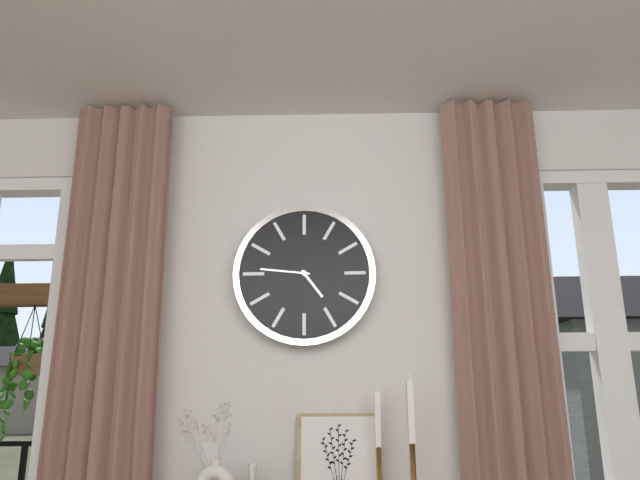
4.46
